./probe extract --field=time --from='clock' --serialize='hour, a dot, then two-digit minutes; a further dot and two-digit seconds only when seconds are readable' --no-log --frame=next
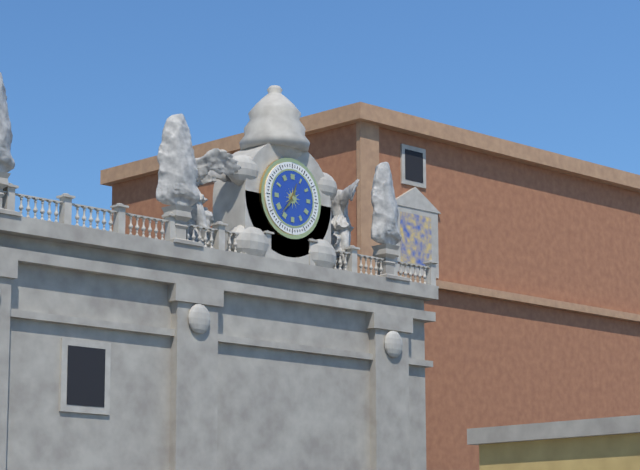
12.37
